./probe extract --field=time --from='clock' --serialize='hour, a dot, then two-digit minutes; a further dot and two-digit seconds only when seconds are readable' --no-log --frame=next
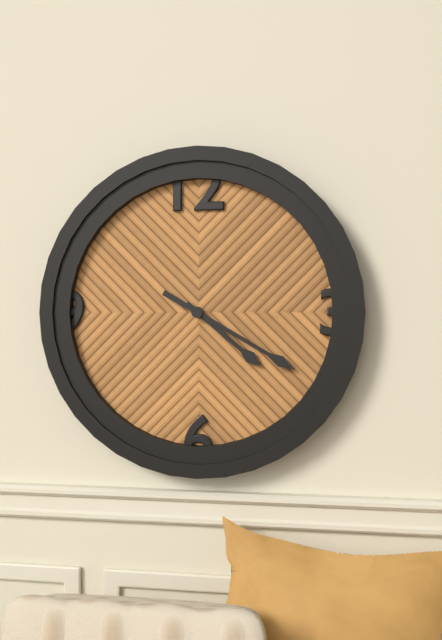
4.20
